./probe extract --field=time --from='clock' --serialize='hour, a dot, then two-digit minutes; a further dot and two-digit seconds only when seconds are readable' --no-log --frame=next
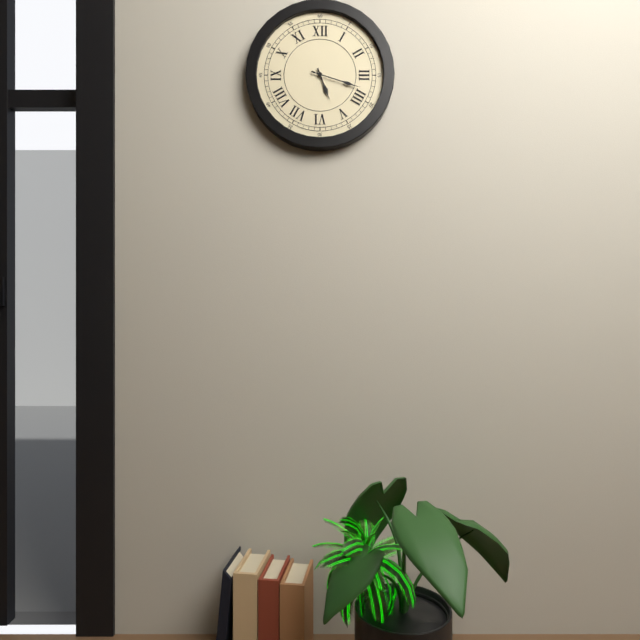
5.18
